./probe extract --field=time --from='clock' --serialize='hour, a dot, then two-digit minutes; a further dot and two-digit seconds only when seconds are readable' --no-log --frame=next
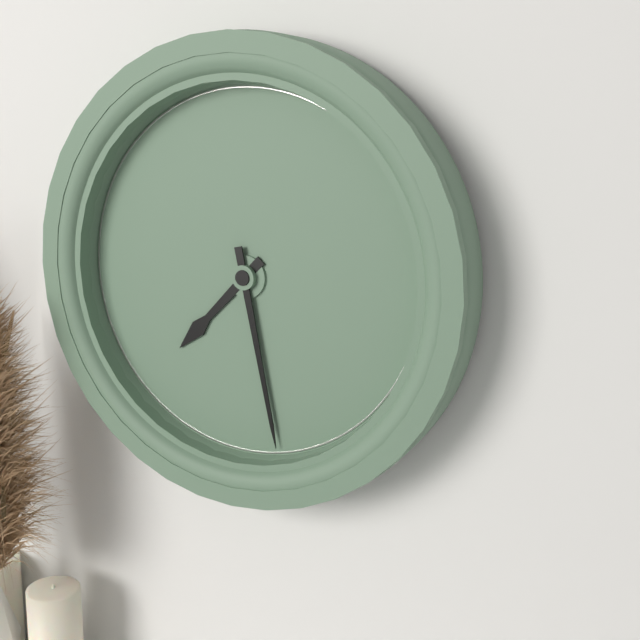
7.28
